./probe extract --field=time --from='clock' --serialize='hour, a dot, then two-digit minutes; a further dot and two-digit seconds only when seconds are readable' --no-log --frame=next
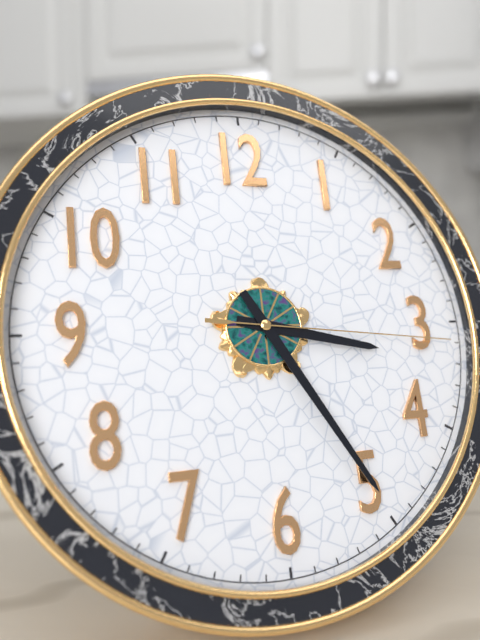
3.25.16
